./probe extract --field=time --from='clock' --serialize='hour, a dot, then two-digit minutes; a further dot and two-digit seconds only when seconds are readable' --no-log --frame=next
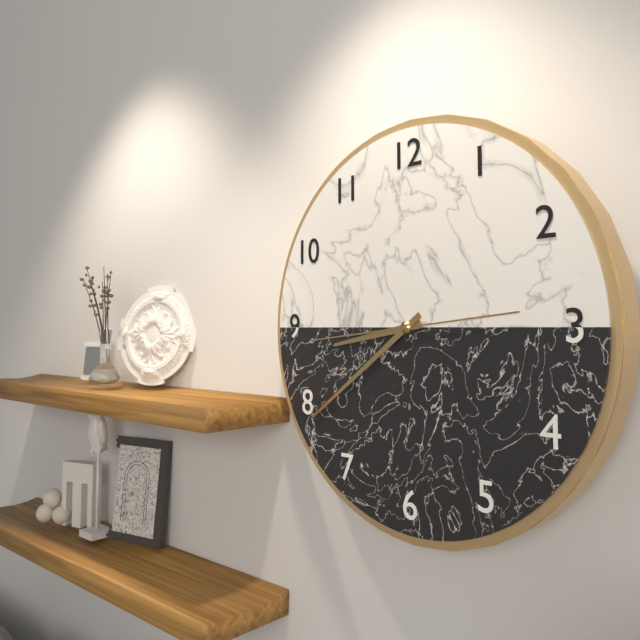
8.39.44
